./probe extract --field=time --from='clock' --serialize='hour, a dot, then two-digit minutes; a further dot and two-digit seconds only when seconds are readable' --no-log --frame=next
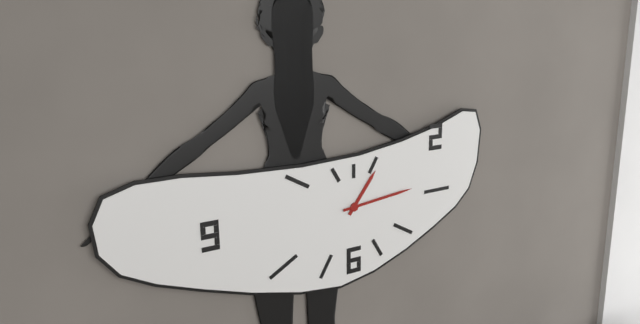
1.14
